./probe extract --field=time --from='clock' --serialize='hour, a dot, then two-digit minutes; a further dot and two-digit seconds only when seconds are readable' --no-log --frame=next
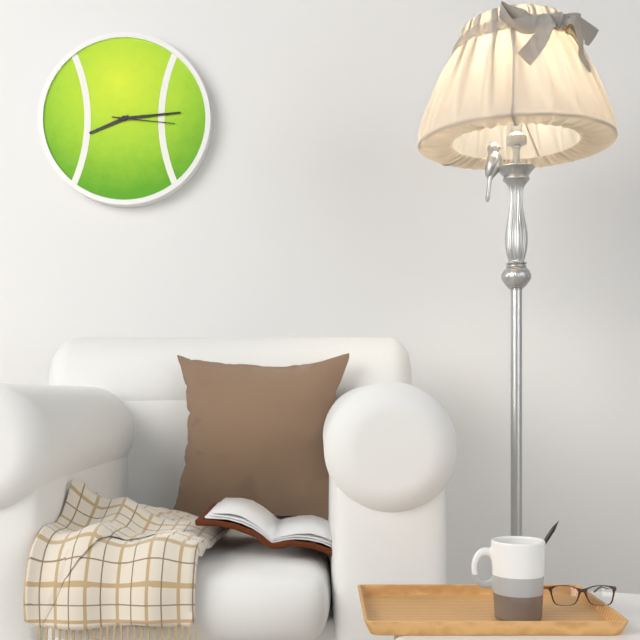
8.14.16
